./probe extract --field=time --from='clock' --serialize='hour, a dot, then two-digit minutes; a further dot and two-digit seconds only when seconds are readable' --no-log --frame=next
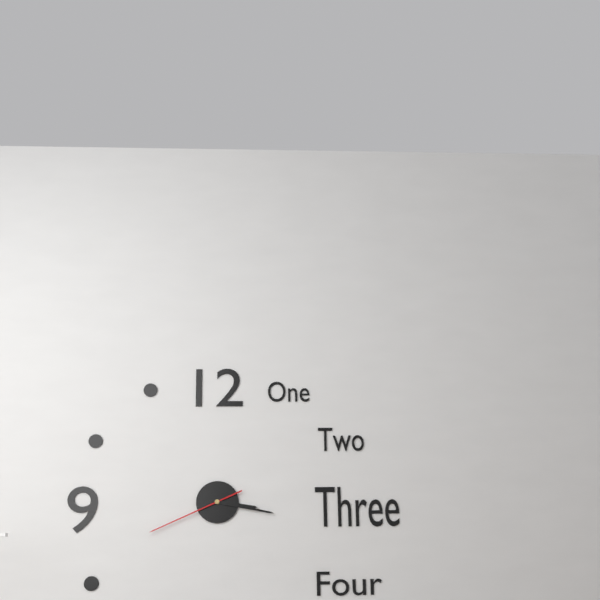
3.17.41
